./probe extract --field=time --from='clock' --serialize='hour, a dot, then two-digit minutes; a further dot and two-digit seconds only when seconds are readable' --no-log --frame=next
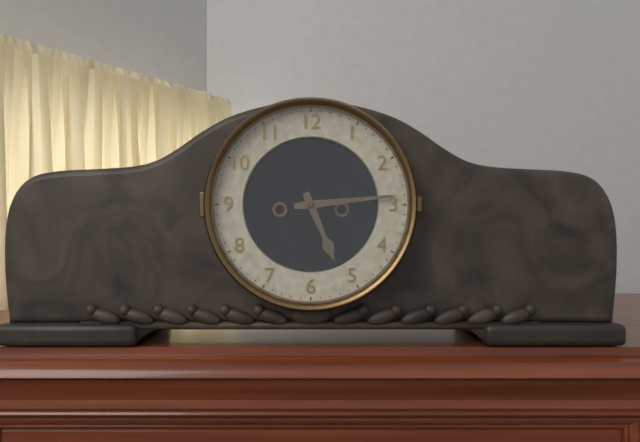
5.14
